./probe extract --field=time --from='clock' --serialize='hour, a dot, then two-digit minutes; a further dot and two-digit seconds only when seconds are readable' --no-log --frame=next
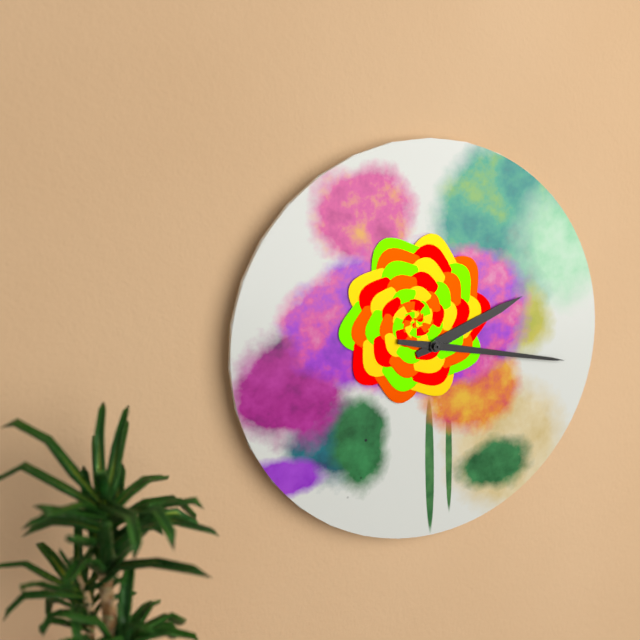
2.17
